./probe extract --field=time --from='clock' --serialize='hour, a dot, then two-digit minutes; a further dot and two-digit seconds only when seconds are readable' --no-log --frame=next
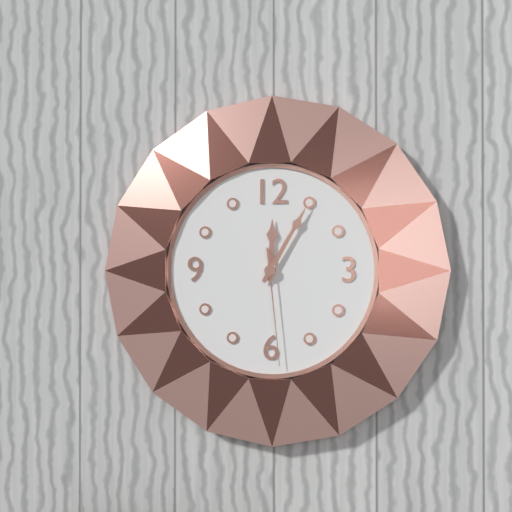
12.05.29
